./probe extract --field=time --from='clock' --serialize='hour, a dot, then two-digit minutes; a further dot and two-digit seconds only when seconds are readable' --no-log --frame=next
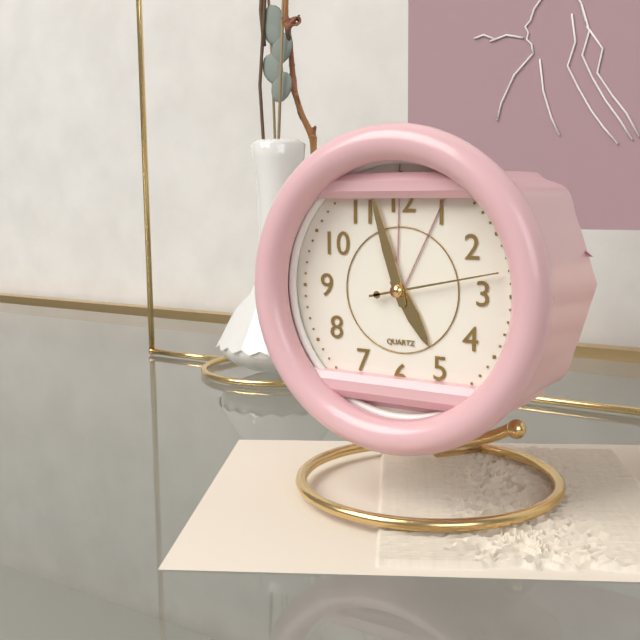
4.57.13
